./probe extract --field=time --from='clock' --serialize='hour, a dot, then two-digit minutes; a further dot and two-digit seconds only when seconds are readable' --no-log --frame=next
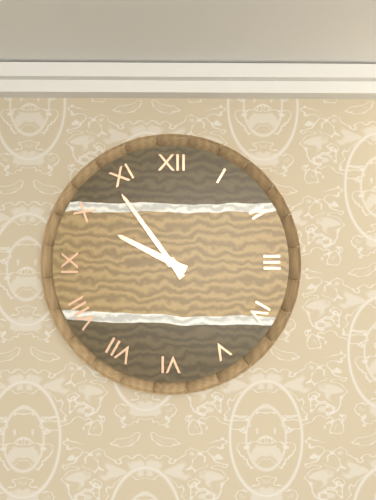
9.54
